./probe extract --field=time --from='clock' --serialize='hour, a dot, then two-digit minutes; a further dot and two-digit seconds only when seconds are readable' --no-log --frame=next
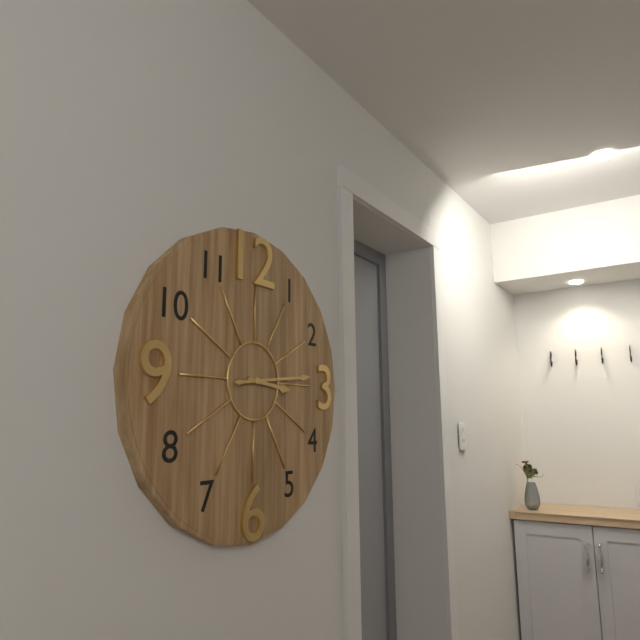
3.14
